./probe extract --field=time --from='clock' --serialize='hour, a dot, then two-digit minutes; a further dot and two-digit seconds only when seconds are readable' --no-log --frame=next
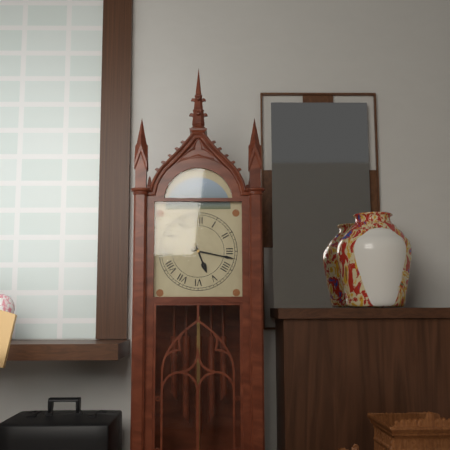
5.17
